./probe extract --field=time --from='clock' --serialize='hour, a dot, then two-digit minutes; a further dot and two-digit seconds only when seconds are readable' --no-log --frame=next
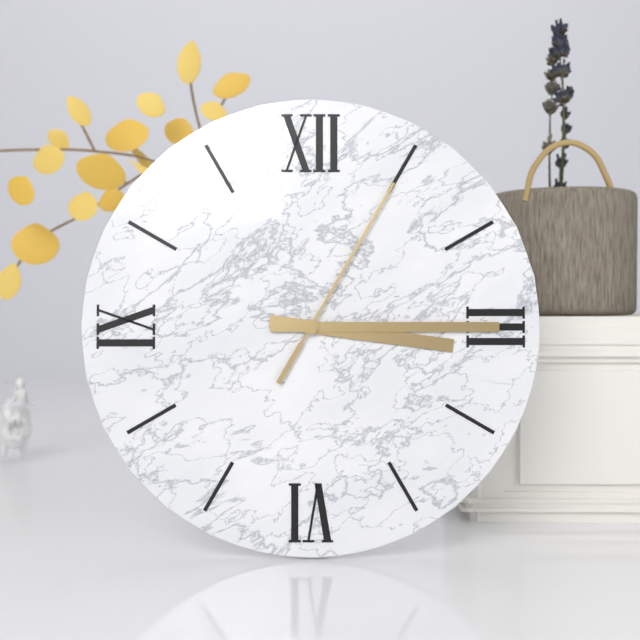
3.15.05
